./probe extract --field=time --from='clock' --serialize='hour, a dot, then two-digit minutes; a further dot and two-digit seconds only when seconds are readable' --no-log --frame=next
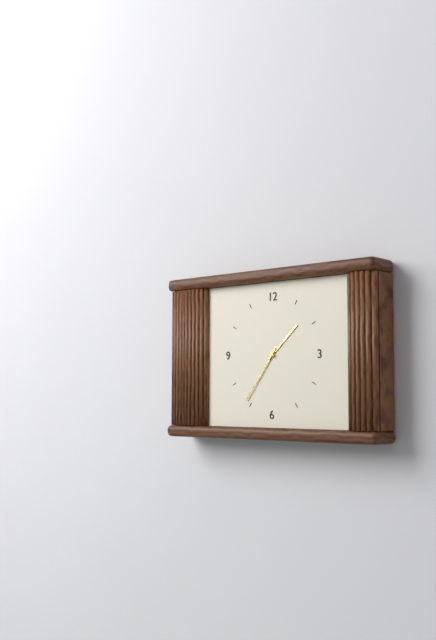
1.36
